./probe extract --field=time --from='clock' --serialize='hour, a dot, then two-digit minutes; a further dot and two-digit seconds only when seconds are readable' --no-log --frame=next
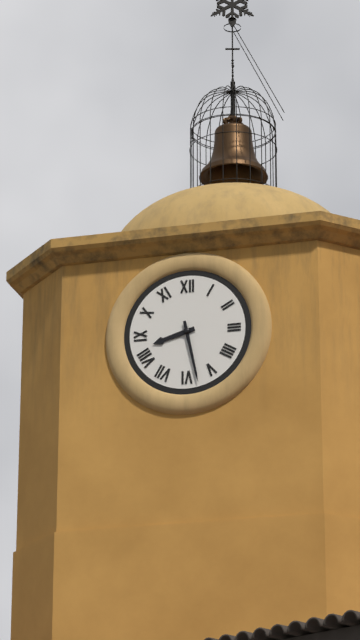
8.28
